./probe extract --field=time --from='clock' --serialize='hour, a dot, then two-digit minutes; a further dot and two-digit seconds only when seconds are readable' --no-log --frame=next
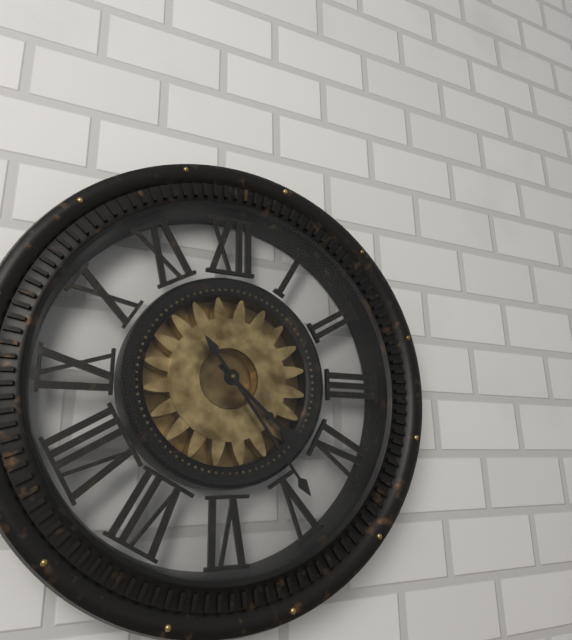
4.24
